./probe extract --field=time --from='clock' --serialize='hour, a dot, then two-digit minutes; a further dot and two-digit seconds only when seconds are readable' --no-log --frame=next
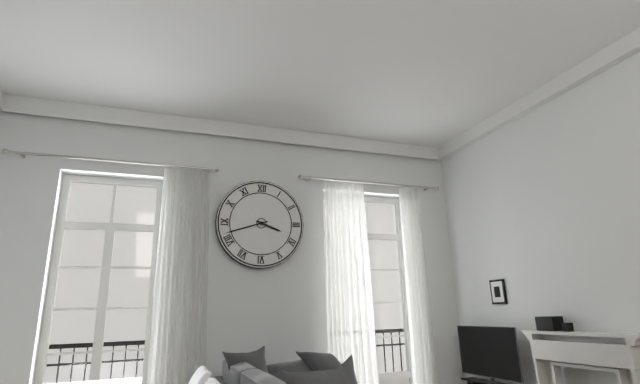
3.42
